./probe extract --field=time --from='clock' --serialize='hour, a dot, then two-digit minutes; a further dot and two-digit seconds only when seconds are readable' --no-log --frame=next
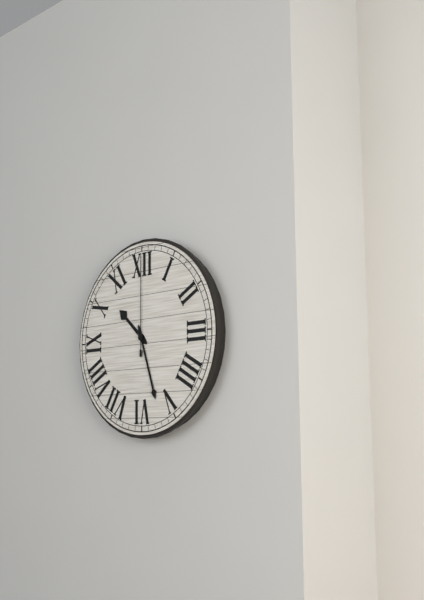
10.27.00
